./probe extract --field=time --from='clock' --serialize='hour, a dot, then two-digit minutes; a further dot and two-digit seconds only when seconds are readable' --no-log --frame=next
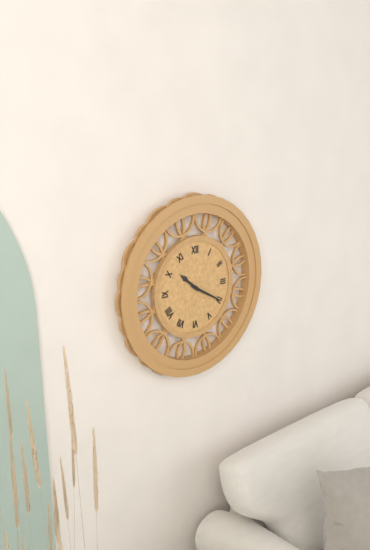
10.20
